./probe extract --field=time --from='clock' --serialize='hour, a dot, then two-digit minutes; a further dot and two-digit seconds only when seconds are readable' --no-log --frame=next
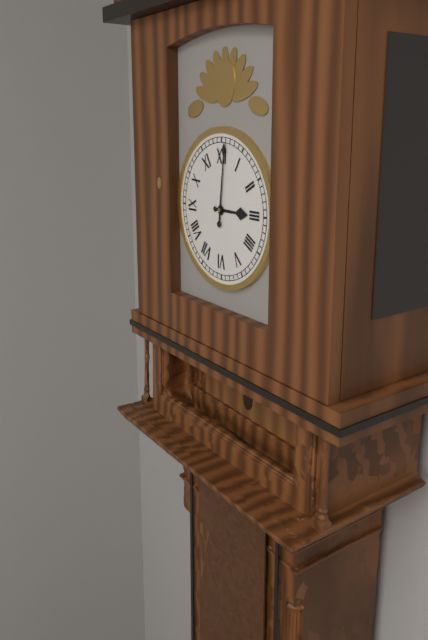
3.01
